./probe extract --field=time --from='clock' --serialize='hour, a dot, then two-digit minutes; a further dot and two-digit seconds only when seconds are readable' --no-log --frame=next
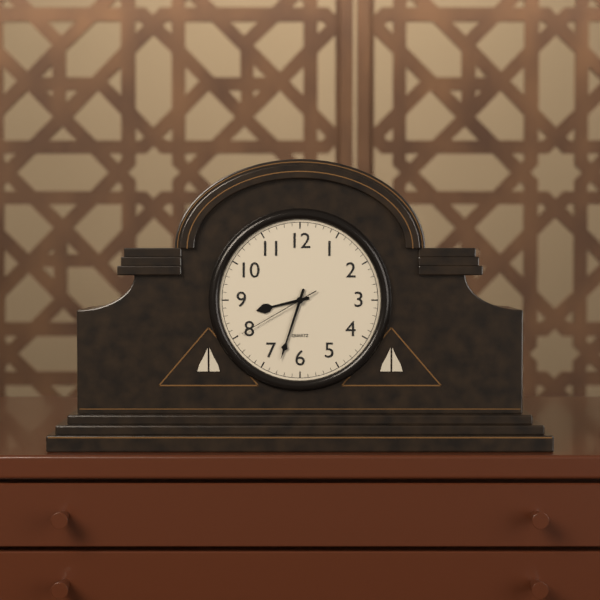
8.33.40
